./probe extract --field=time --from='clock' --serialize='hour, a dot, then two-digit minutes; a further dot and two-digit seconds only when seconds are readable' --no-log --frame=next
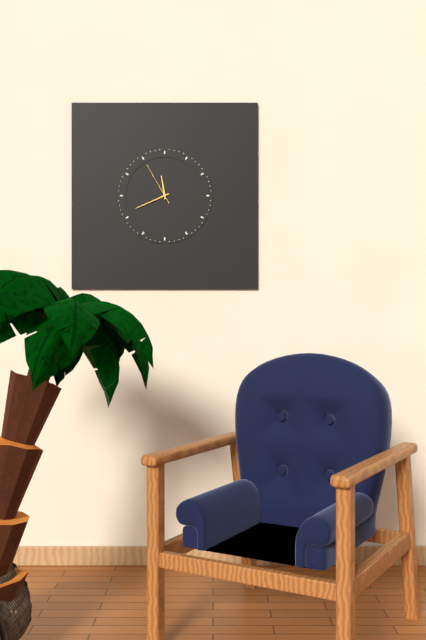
11.41
